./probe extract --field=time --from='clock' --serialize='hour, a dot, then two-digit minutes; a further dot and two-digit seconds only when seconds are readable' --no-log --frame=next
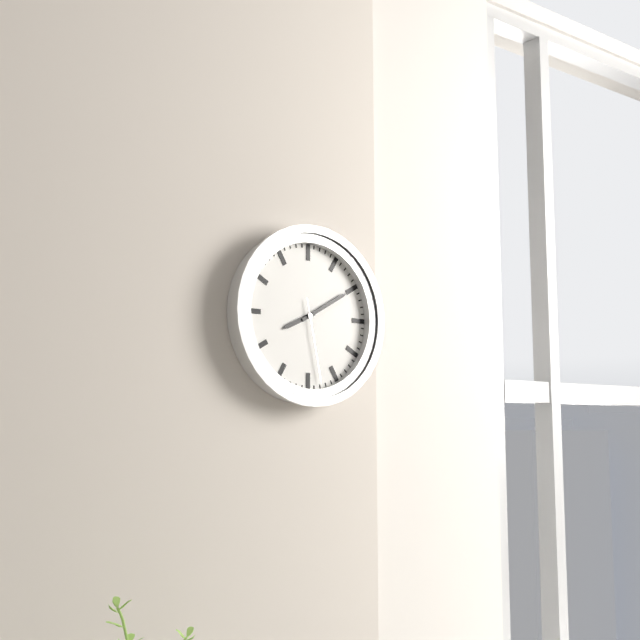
8.10.28
